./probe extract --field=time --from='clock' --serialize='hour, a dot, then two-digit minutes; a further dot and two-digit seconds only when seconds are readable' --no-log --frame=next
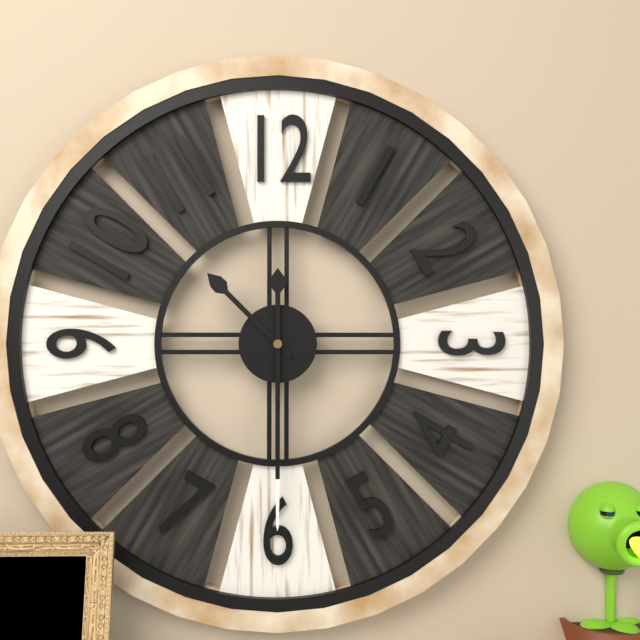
10.30
